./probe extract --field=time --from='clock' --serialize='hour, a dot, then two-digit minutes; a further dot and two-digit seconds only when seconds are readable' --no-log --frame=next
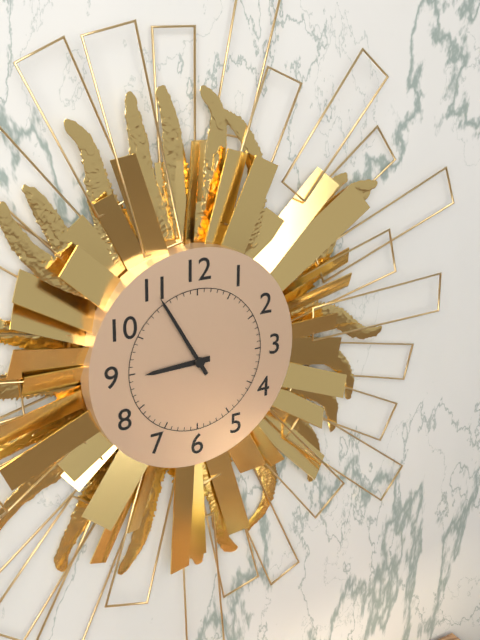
8.55
